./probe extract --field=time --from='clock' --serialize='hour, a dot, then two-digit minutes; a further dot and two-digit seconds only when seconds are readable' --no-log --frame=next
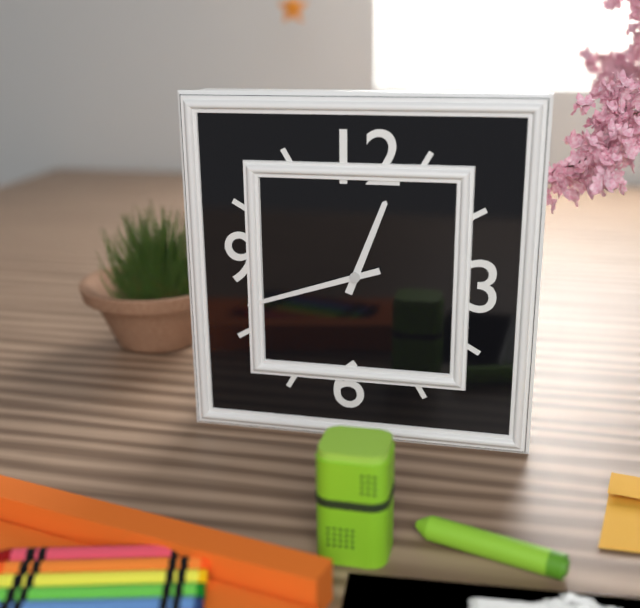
12.42
